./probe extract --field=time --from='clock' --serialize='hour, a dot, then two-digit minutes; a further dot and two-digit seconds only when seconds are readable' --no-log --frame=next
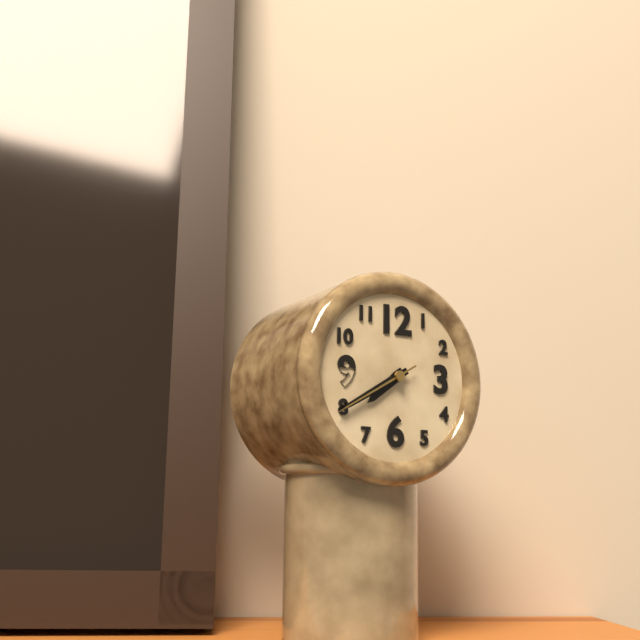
7.40.40
